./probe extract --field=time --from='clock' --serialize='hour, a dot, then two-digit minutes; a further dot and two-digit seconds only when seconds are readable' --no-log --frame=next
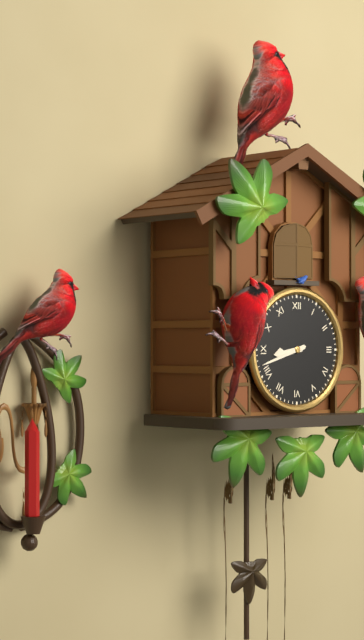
8.42
